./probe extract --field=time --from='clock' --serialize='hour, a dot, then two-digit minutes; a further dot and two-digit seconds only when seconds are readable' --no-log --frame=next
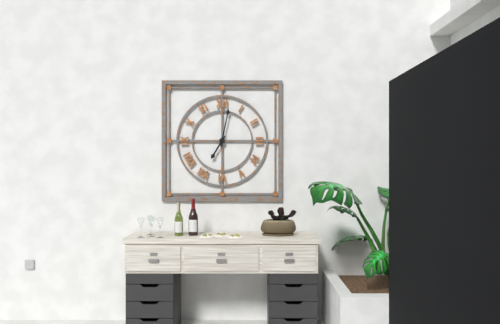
7.02
